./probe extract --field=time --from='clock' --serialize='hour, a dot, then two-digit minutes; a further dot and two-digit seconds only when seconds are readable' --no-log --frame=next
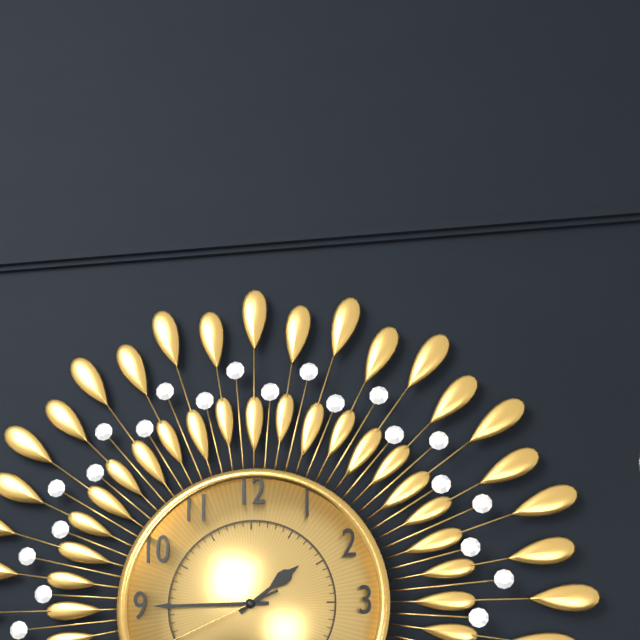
1.45
